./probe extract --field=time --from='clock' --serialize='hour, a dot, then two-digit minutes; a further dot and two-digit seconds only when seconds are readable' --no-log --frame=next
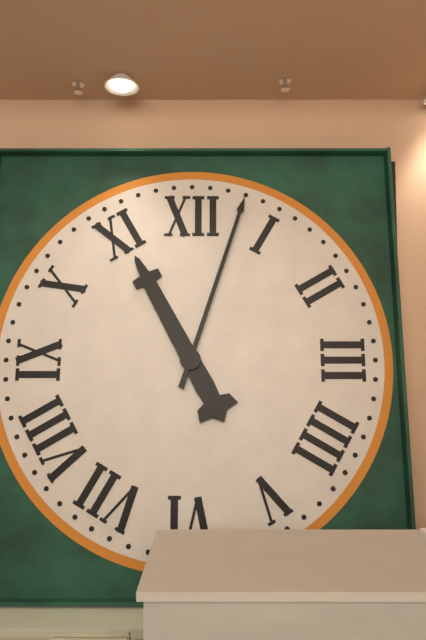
11.03
